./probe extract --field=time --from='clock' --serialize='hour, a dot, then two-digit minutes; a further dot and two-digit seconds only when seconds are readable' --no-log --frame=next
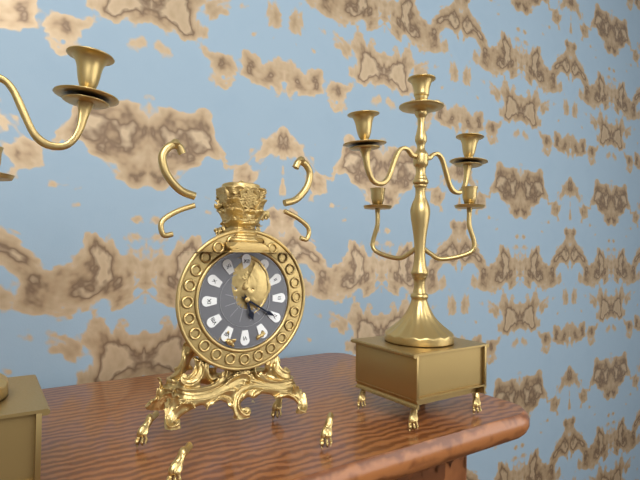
5.20
